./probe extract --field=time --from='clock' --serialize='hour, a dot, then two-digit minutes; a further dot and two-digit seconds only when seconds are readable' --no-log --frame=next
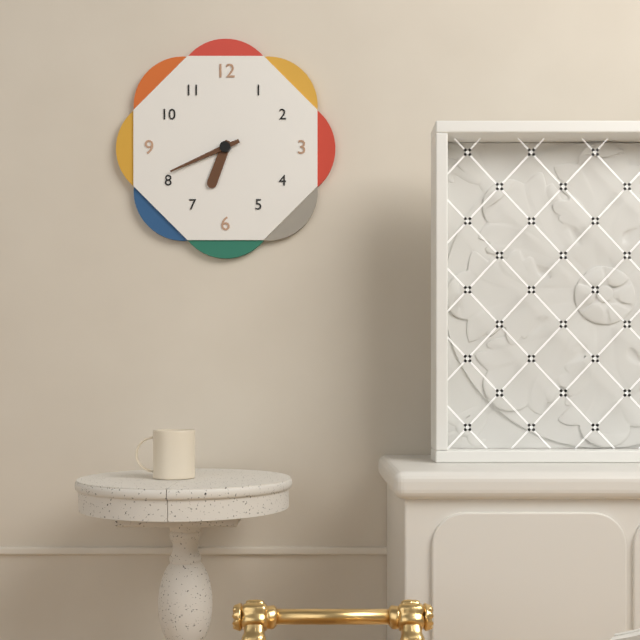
6.41
